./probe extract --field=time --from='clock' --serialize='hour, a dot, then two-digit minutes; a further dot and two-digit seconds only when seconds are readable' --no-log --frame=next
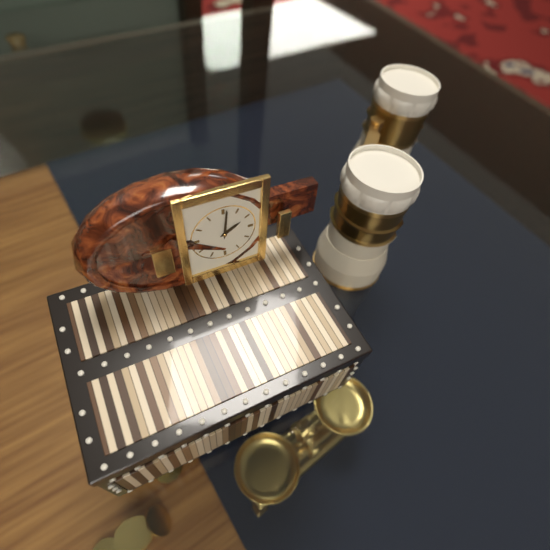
2.01
